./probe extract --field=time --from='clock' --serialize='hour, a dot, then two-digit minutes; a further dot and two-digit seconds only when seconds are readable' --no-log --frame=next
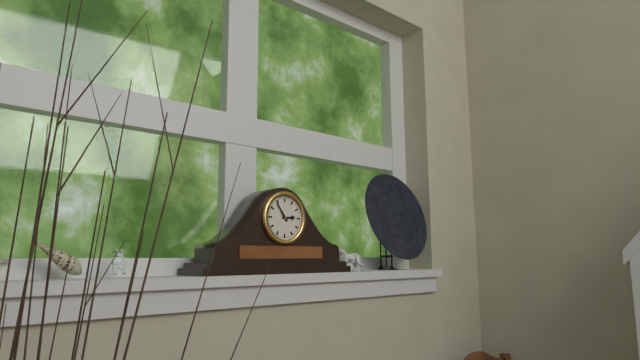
2.54
